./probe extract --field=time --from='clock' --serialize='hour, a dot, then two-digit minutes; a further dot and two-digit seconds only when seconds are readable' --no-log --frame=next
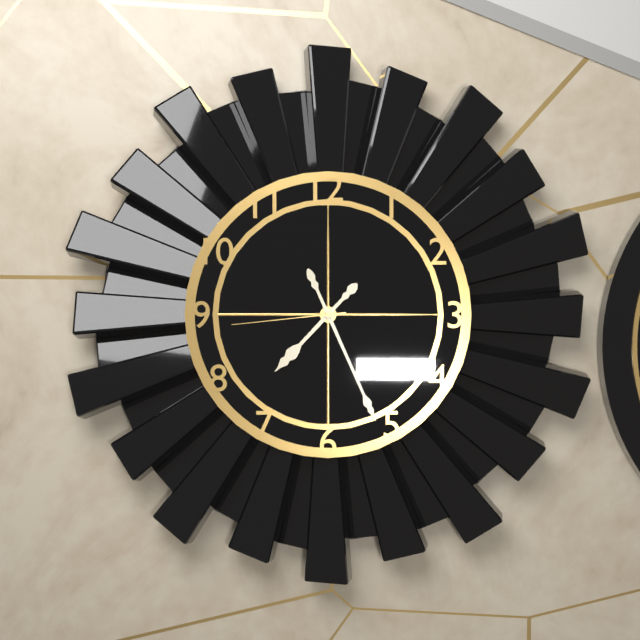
7.26.44
